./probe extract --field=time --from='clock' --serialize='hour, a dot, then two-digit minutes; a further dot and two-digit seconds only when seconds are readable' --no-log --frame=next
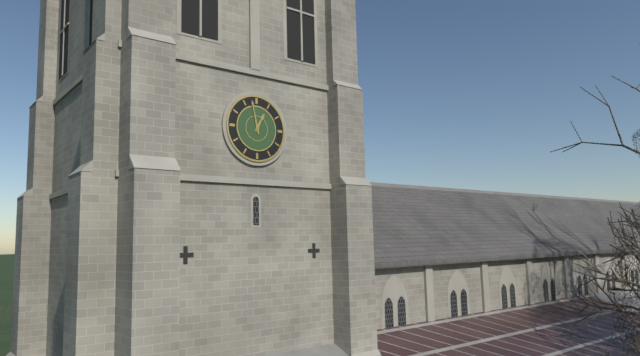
12.58
